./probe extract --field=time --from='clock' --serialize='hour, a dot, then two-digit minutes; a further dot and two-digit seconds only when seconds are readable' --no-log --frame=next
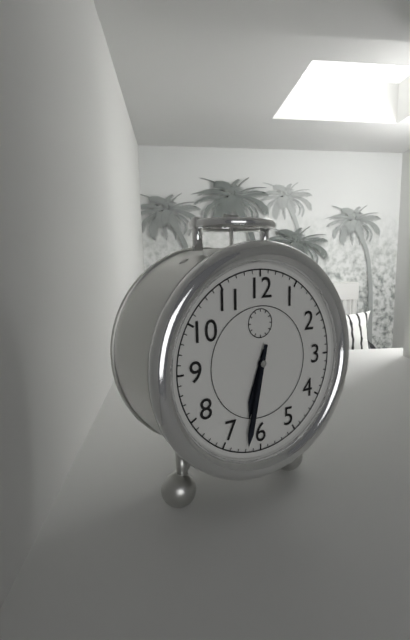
6.32
